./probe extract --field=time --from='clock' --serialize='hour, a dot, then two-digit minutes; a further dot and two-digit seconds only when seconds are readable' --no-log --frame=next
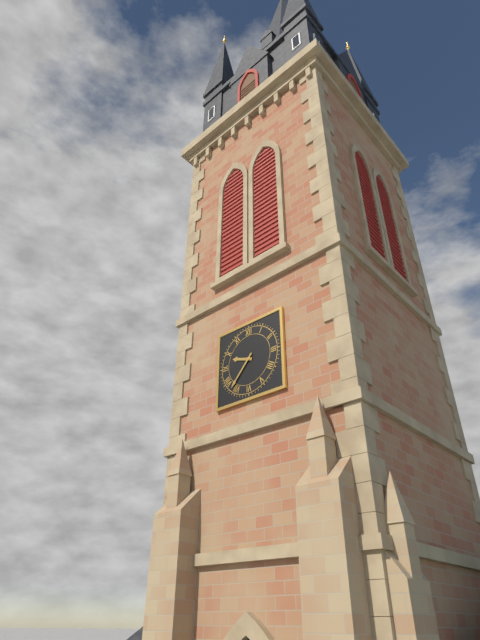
9.37
